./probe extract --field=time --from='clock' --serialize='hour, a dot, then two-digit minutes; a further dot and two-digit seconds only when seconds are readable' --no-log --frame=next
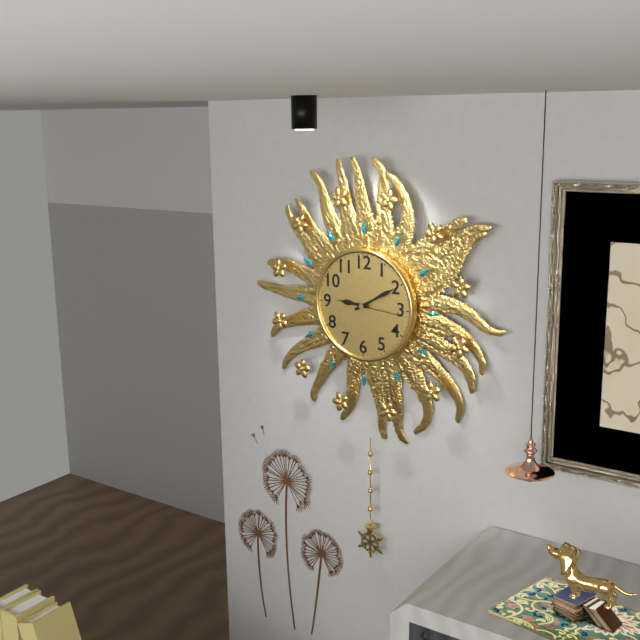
9.10
